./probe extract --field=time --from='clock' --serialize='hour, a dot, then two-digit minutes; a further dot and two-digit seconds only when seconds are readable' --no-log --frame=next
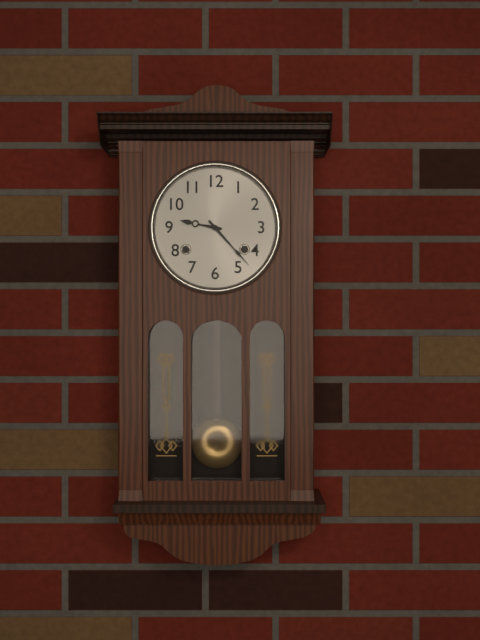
9.23
